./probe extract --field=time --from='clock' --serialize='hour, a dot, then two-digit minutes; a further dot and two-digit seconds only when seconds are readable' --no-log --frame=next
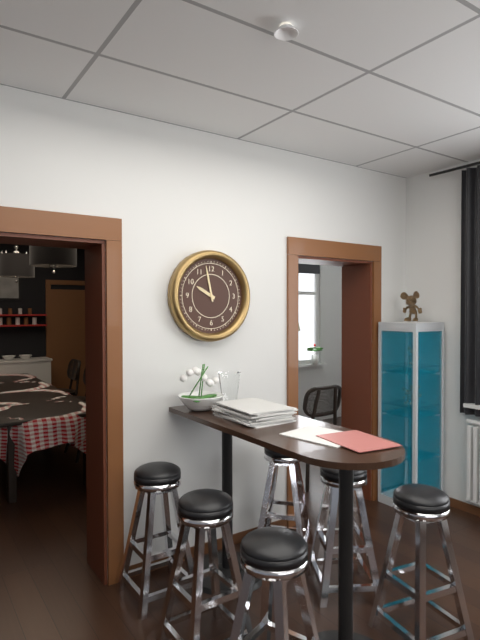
9.58
